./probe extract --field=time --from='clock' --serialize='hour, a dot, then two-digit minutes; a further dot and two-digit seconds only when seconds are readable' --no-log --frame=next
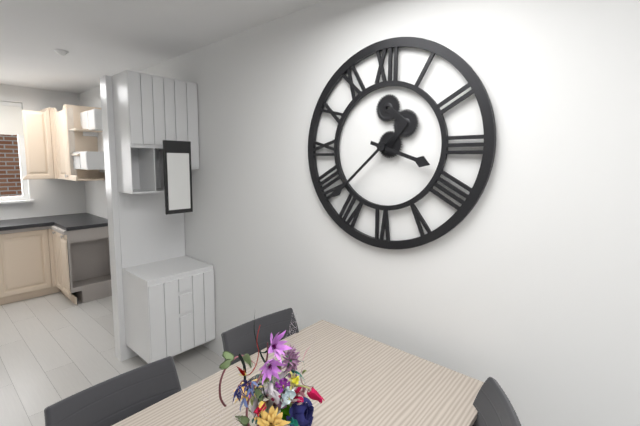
3.38
